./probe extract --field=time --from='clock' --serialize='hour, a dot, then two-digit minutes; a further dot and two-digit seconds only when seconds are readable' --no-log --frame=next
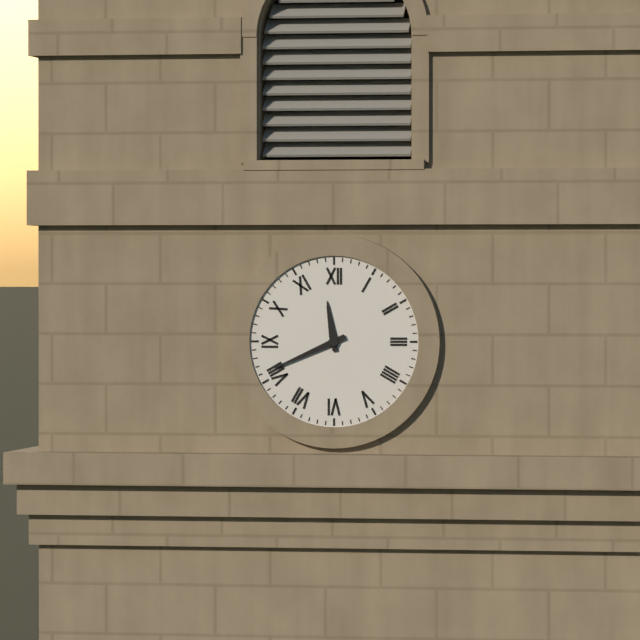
11.41
